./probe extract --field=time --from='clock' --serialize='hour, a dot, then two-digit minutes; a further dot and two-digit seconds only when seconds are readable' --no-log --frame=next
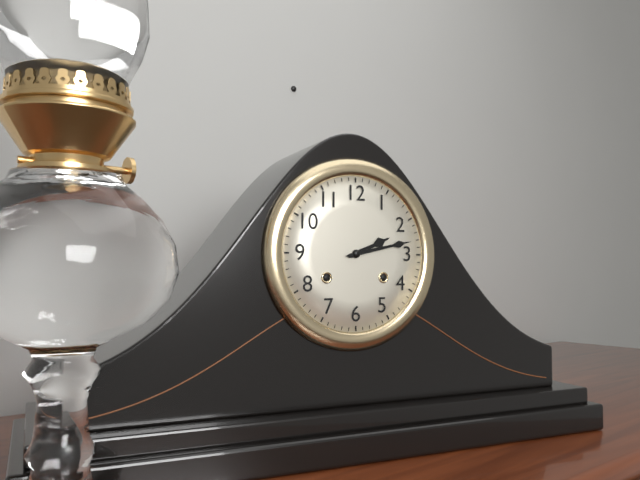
2.13
